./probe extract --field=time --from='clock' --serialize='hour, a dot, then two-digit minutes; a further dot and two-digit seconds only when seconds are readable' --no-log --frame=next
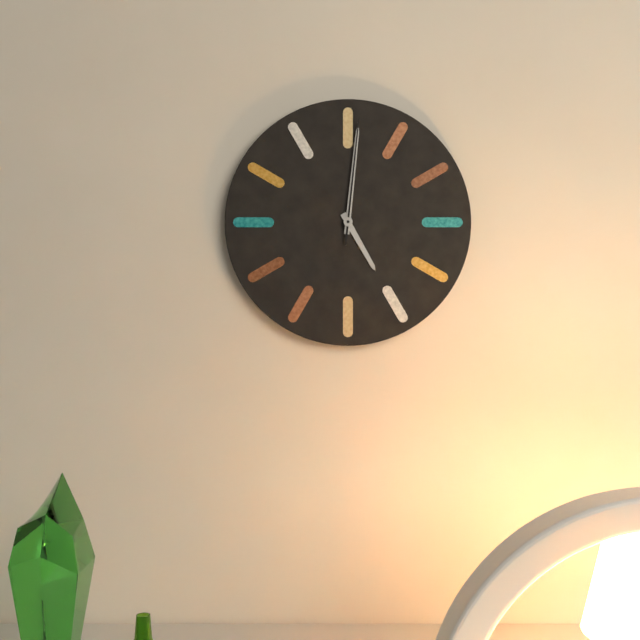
5.01.01
